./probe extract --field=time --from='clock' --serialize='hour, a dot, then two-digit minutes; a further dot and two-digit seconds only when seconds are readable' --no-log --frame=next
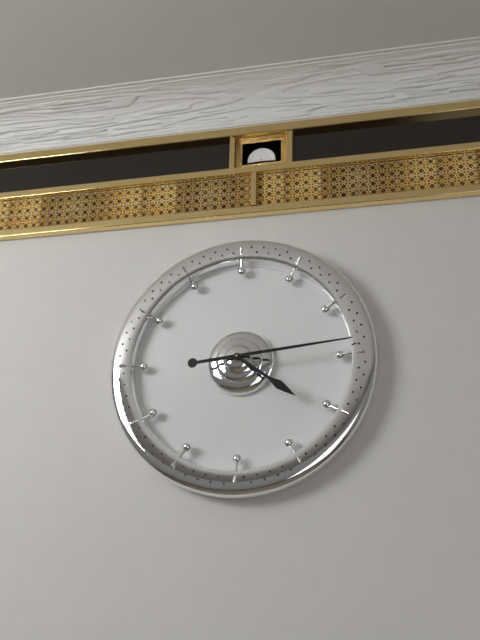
4.14
